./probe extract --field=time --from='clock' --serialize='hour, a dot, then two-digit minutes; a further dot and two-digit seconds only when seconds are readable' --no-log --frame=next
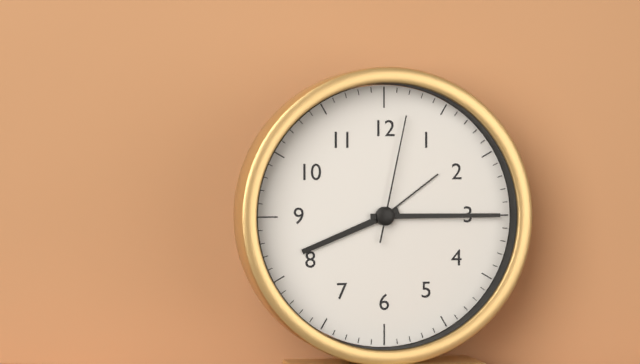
8.15.02
